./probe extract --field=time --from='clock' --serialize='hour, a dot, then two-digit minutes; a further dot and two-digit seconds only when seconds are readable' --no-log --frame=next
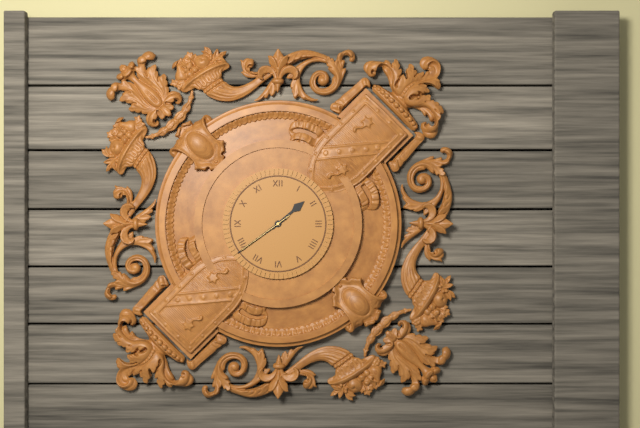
1.39.39
